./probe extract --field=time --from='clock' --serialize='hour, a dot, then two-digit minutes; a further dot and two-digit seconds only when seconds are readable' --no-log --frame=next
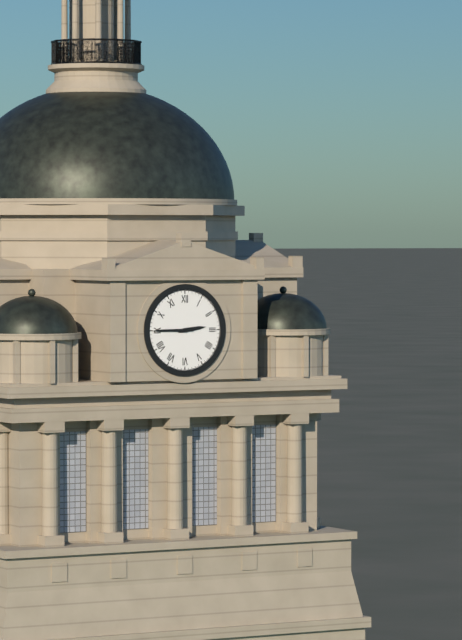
2.45
